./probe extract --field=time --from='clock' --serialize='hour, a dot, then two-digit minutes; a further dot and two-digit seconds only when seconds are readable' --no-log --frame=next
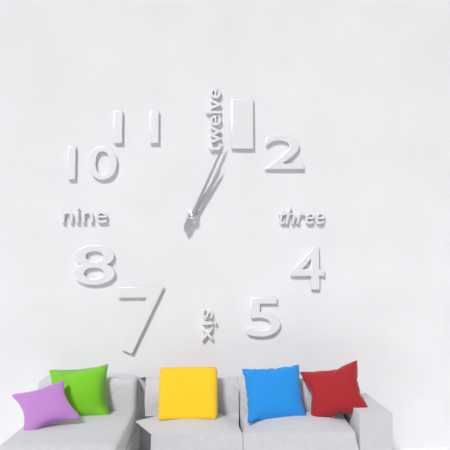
1.04
